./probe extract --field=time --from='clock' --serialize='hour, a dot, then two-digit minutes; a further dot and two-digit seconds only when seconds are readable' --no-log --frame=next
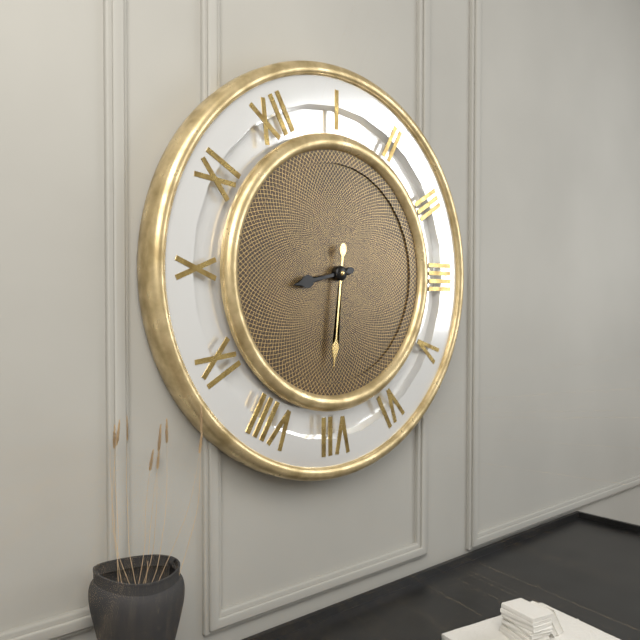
9.36
